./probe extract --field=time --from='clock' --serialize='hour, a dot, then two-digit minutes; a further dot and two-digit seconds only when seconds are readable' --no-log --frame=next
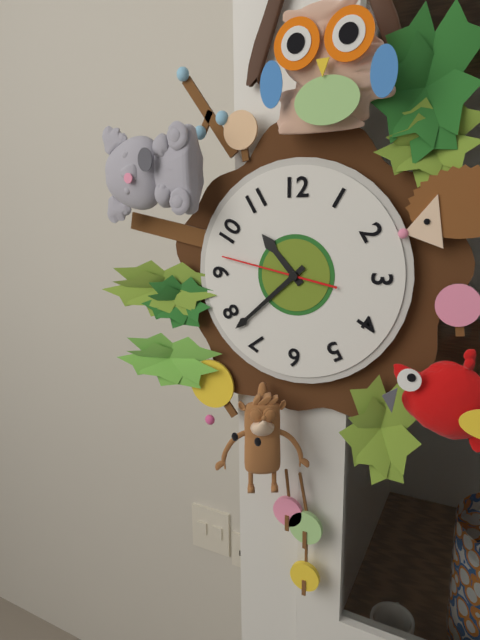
10.38.47
